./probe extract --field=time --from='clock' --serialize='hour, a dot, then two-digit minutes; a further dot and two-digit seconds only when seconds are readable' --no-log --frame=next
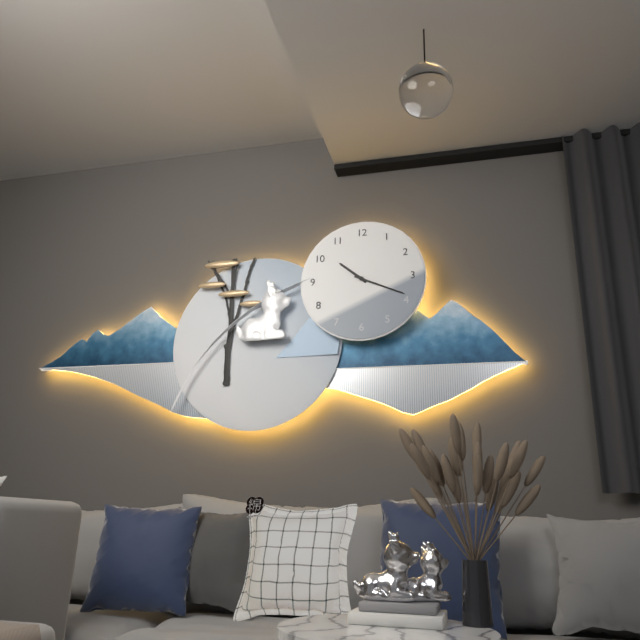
10.19
